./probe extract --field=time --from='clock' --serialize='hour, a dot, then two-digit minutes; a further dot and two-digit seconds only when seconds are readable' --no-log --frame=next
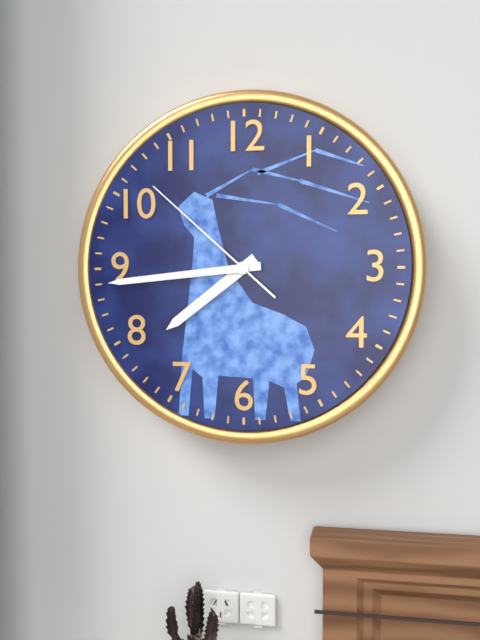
7.44.52
